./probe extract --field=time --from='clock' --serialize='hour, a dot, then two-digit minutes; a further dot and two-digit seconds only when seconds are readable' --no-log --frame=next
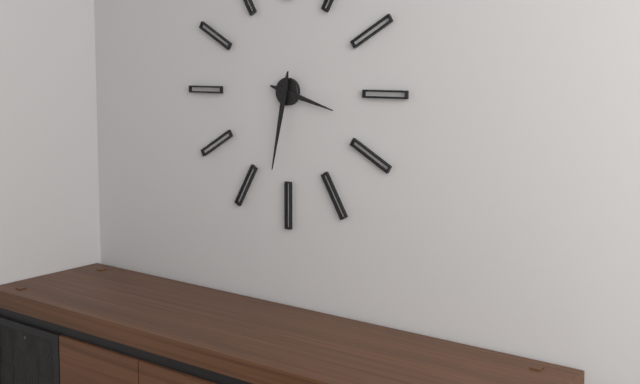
3.32
